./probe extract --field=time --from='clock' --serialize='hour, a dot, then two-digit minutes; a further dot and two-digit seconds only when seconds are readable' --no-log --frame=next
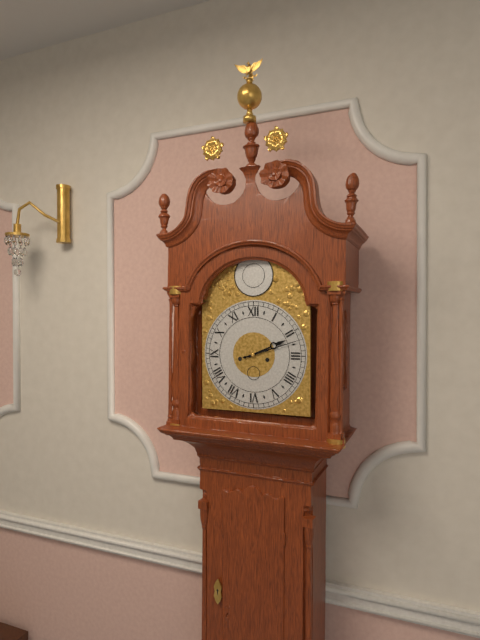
2.12
